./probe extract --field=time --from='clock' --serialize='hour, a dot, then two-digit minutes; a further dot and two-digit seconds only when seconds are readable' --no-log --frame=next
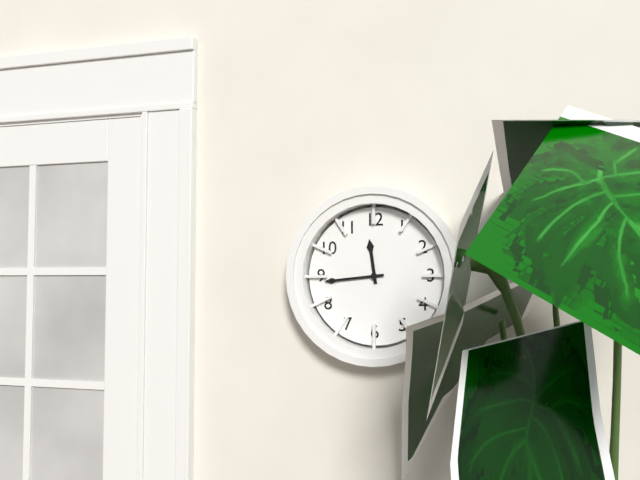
11.44
